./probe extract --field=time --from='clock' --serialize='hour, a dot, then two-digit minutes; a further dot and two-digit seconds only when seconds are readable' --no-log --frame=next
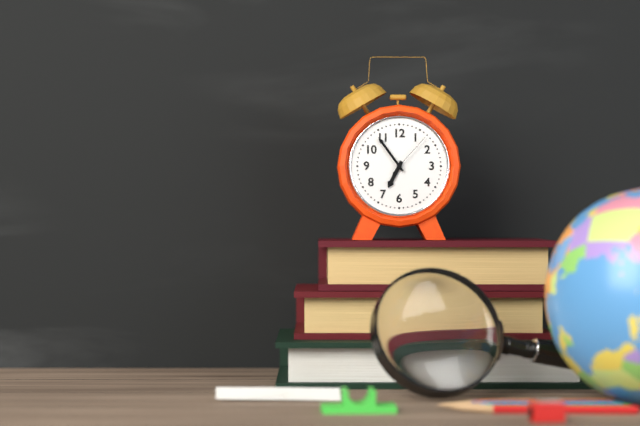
6.54
